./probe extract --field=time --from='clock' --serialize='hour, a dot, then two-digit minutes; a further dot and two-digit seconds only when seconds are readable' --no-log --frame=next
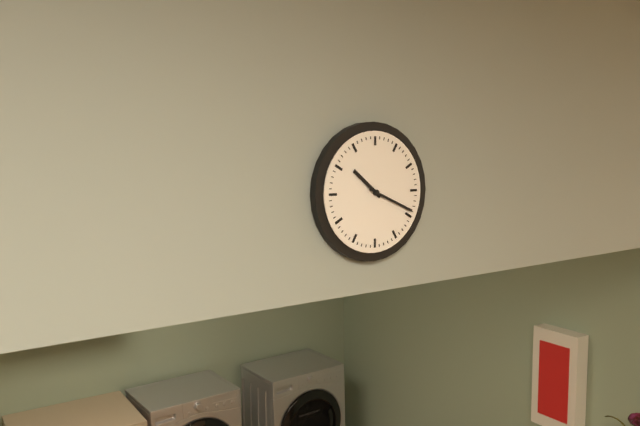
10.19
